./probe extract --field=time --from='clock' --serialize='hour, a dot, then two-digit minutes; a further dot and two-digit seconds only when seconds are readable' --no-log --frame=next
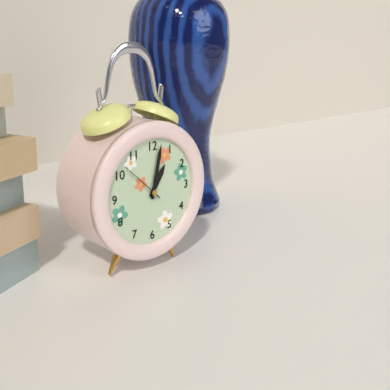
1.02
